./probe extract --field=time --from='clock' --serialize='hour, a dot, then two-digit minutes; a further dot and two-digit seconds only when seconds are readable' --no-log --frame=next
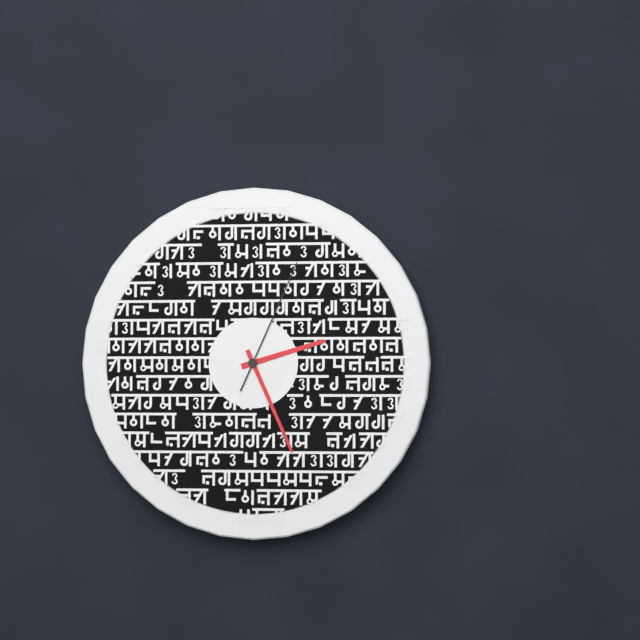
2.26.04
